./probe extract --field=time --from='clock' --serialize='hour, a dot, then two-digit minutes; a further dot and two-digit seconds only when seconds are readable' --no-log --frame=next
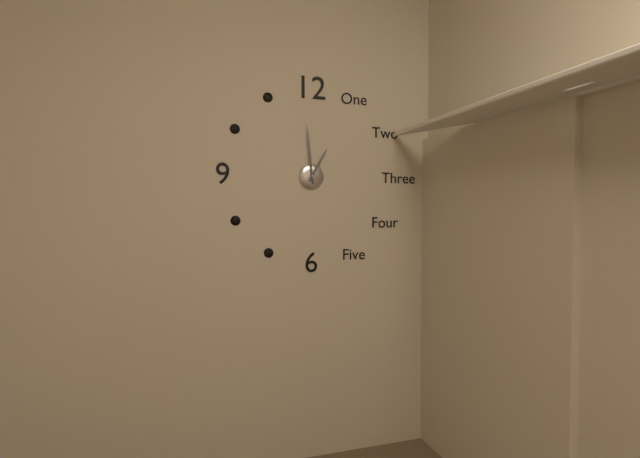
12.59
